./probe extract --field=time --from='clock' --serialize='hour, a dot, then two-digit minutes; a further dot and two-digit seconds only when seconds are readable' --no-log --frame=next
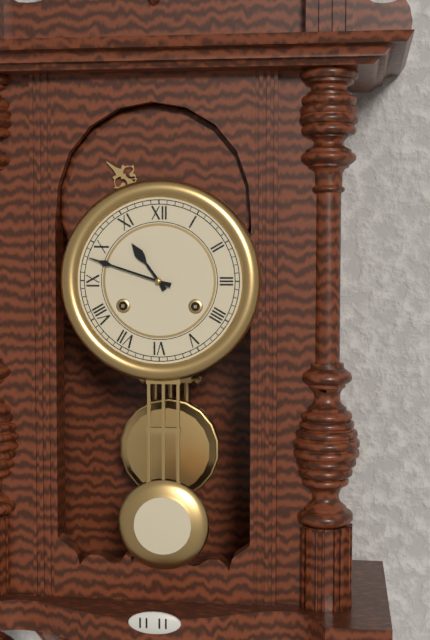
10.48
